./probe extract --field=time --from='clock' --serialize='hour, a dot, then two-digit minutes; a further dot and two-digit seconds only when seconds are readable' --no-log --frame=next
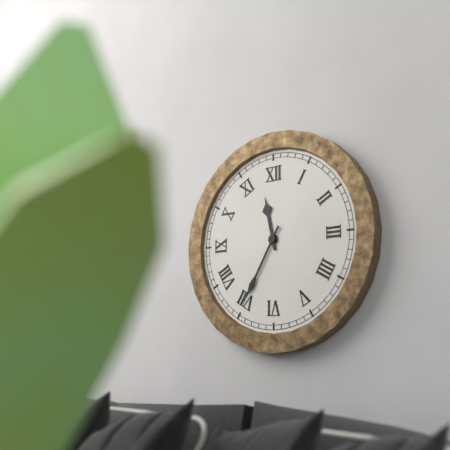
11.35
